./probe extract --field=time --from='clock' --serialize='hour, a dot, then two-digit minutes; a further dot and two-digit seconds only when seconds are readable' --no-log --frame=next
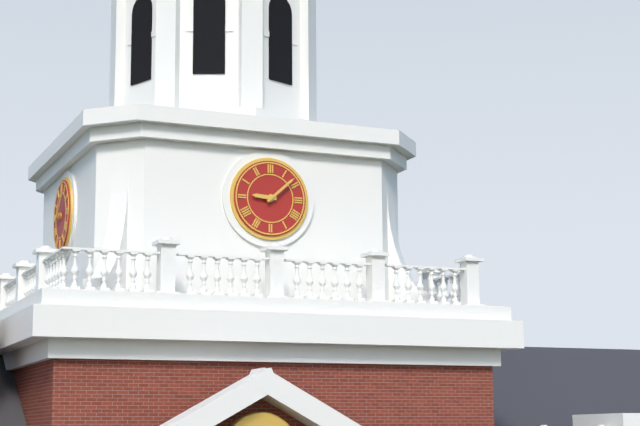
9.08
